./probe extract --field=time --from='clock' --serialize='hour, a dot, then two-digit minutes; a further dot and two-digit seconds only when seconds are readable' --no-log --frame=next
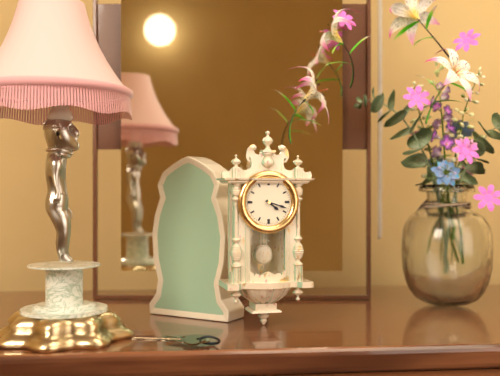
4.18
